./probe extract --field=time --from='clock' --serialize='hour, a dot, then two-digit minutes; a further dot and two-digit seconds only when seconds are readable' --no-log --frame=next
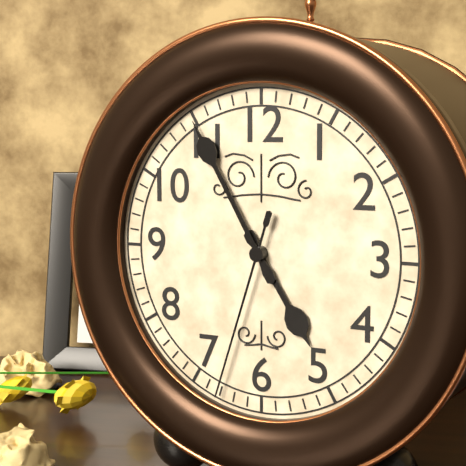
4.55.33
